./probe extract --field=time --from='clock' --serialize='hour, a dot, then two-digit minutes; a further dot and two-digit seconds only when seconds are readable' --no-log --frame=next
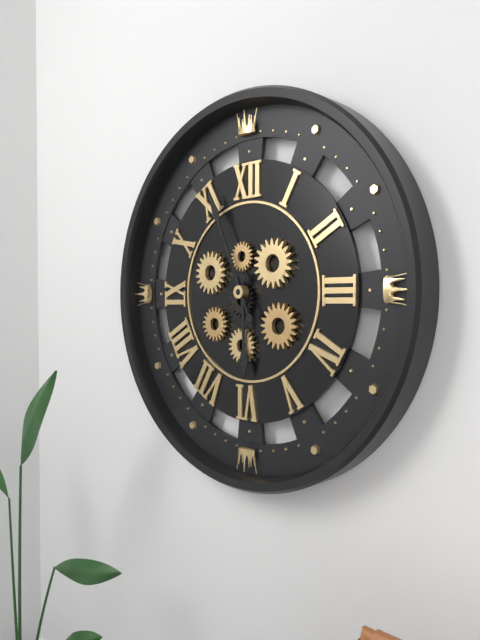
5.56
